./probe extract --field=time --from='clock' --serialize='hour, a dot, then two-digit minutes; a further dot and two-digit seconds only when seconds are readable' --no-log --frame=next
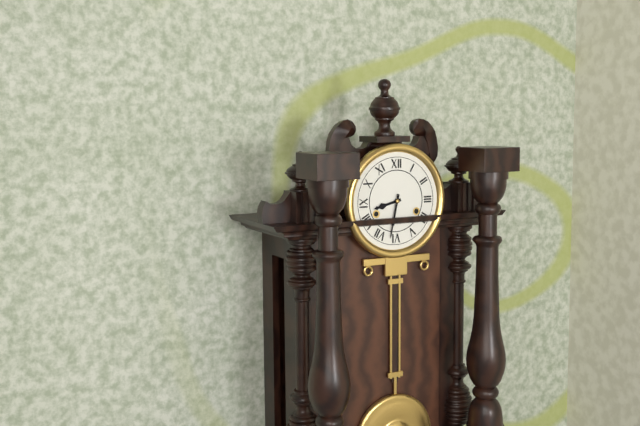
8.32
